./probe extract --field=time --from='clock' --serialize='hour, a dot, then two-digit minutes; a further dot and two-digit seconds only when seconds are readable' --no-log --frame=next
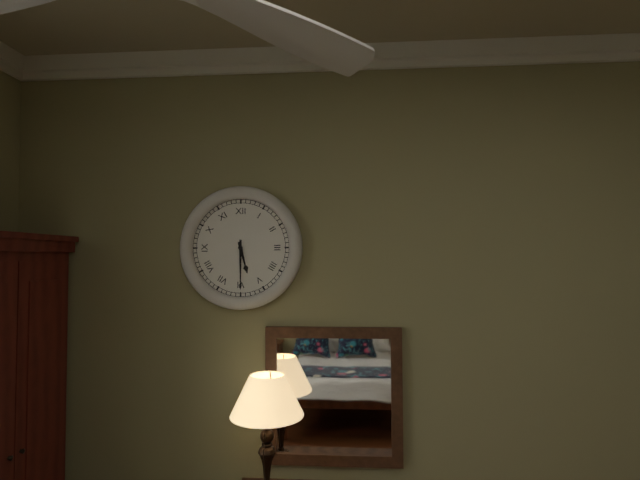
5.30
